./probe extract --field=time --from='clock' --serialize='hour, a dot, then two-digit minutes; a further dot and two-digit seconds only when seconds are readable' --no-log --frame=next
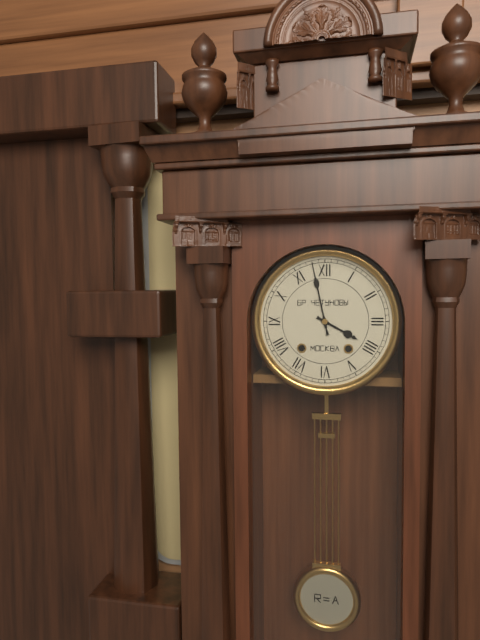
3.58
